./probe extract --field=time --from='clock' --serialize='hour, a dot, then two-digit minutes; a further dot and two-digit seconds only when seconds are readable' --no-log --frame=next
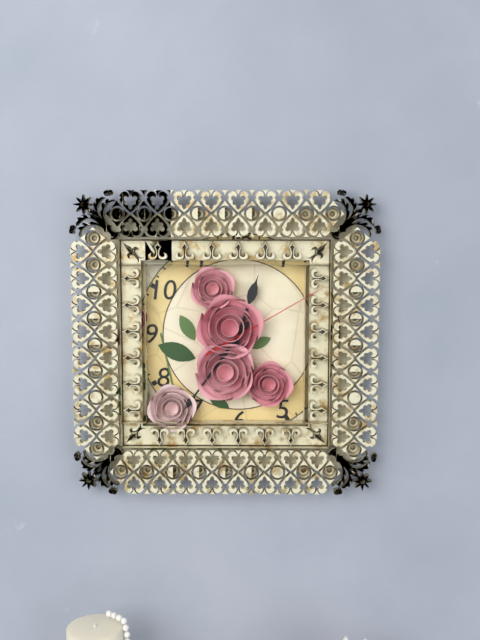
12.36.10
